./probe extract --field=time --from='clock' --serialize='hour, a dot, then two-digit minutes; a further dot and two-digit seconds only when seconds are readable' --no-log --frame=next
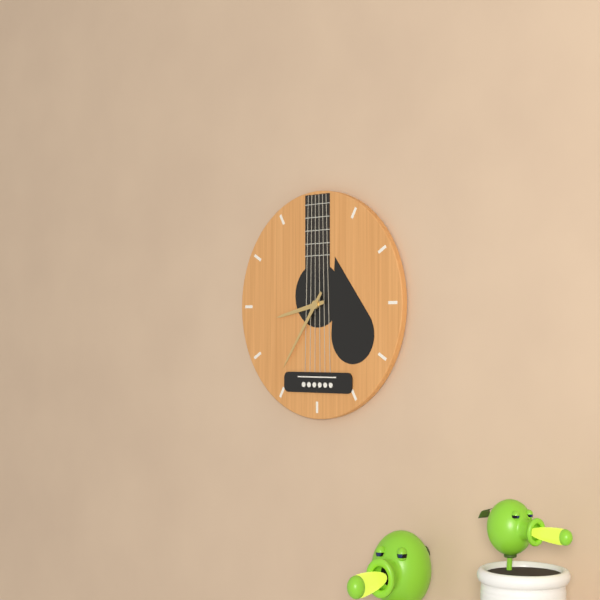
8.36
